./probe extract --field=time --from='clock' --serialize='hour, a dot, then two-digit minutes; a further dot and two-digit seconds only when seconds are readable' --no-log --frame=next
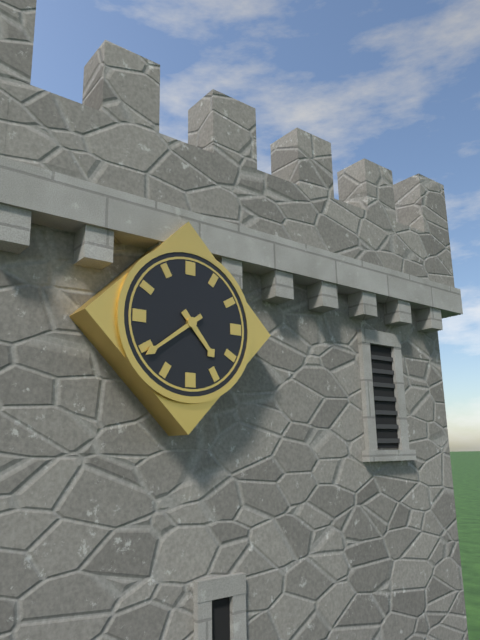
4.39
